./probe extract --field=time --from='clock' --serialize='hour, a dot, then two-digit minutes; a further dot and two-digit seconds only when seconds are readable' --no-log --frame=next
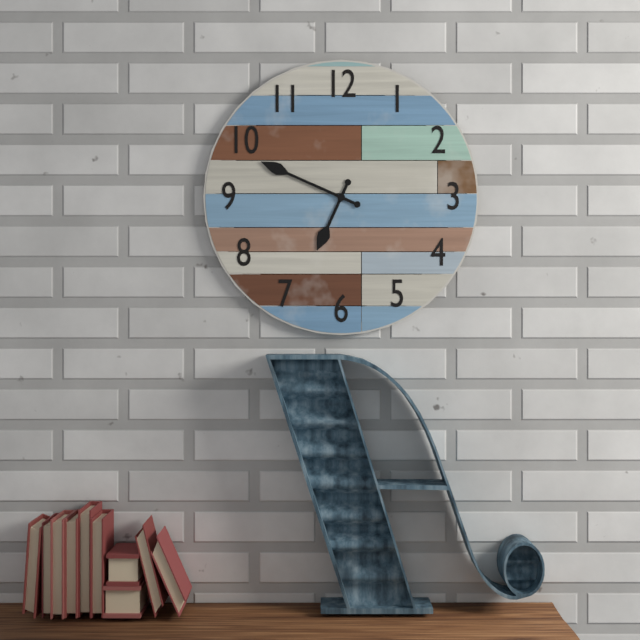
6.49
